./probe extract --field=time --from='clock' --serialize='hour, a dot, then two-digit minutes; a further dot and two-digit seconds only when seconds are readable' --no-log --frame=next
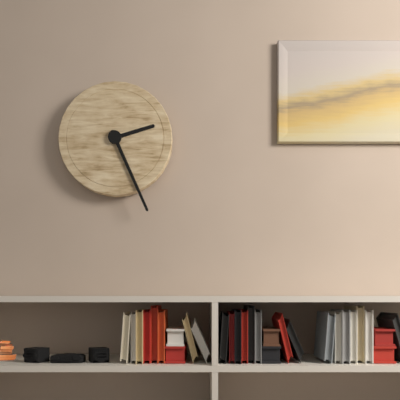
2.26
